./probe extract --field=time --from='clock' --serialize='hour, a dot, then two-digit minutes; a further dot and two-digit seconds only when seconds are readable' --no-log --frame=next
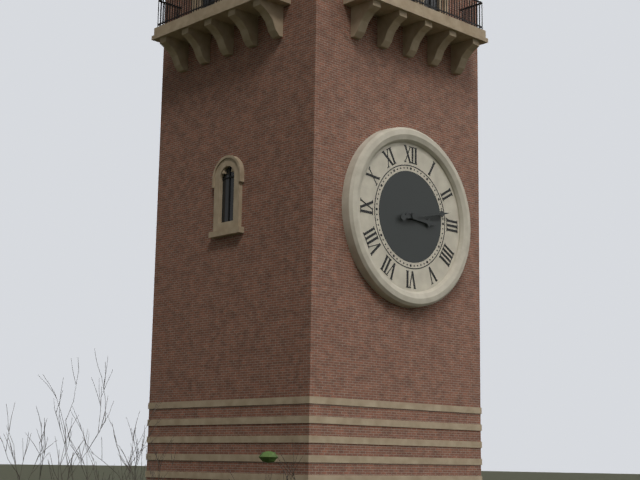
3.13
